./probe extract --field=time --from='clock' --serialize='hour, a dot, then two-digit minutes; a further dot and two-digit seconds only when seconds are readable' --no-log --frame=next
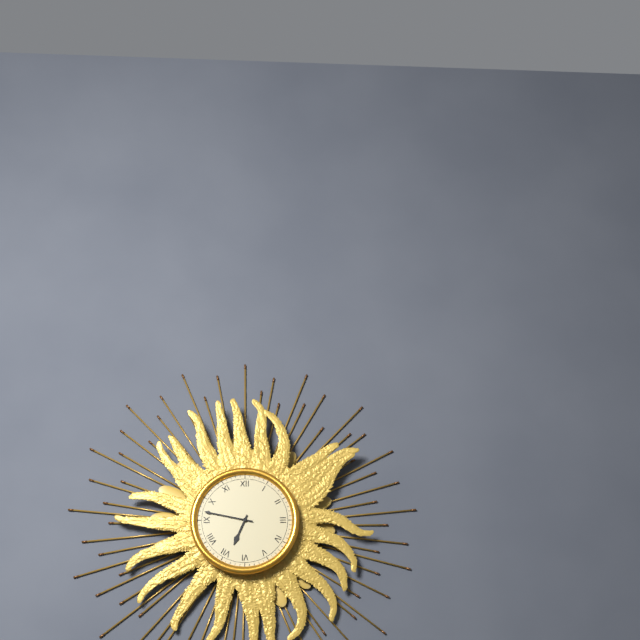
6.47
